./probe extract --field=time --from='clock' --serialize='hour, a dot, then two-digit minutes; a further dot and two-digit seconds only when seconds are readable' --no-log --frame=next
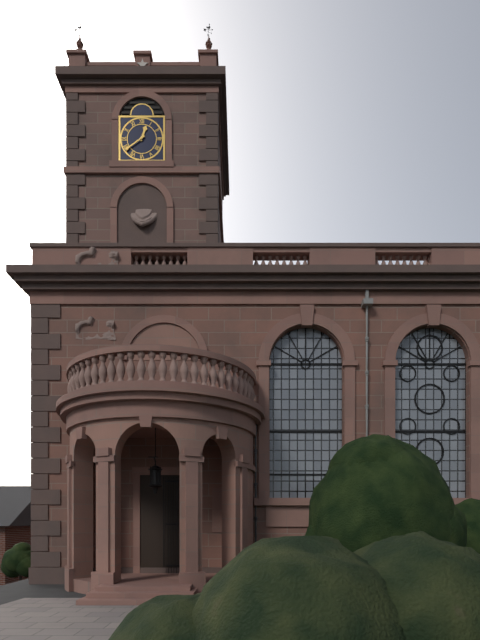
12.39
